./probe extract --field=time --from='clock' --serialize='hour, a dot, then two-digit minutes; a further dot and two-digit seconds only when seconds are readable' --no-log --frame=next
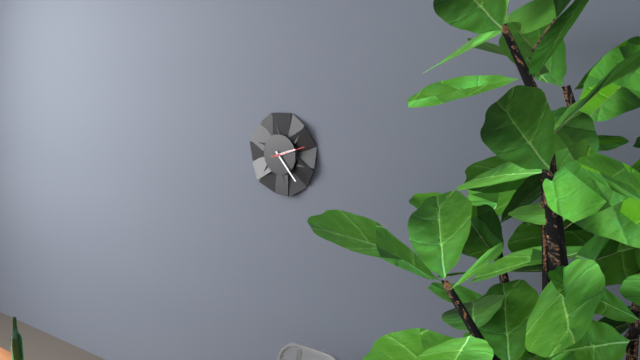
2.23
